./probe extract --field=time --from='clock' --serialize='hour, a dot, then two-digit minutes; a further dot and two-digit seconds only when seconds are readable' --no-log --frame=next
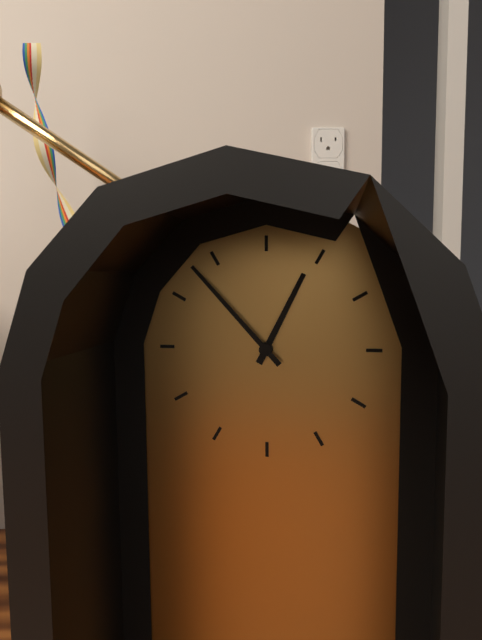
12.53
